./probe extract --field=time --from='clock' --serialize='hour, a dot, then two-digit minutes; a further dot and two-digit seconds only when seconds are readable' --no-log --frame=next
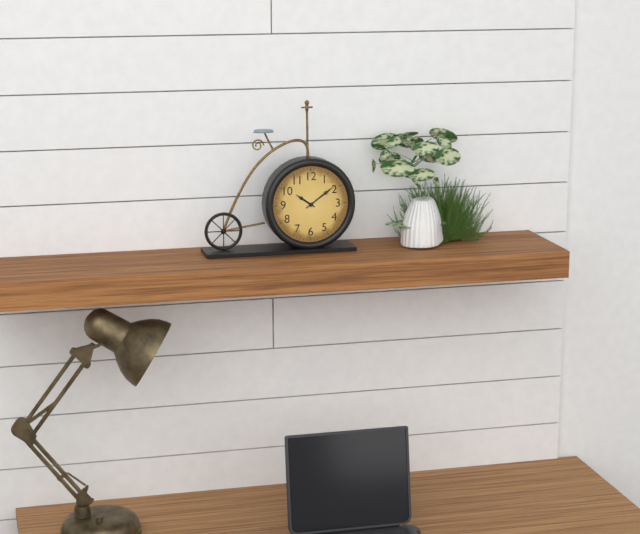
10.09
